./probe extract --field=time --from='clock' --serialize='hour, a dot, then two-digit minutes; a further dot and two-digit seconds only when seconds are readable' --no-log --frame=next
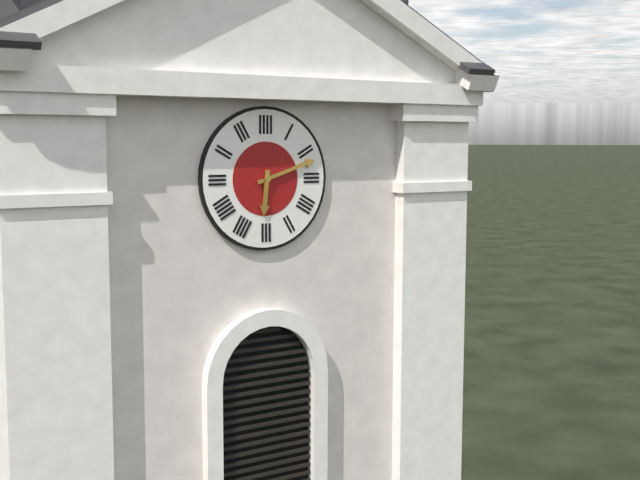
6.12
